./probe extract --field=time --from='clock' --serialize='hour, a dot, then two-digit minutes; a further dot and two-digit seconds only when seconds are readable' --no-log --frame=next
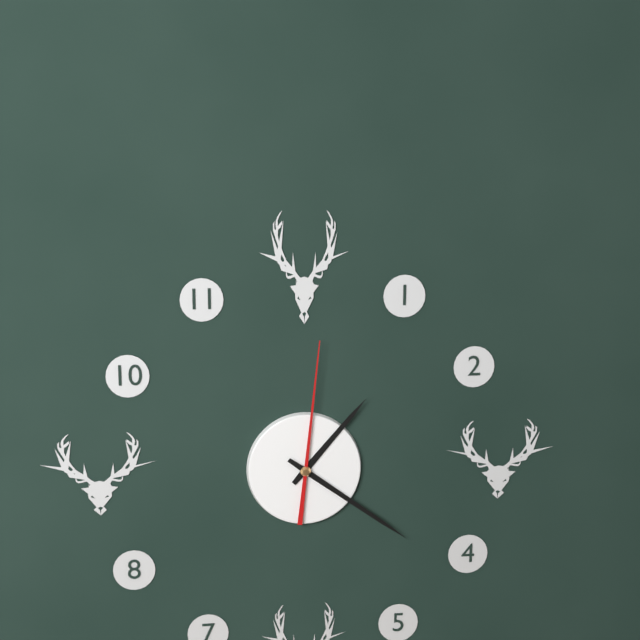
1.21.01
